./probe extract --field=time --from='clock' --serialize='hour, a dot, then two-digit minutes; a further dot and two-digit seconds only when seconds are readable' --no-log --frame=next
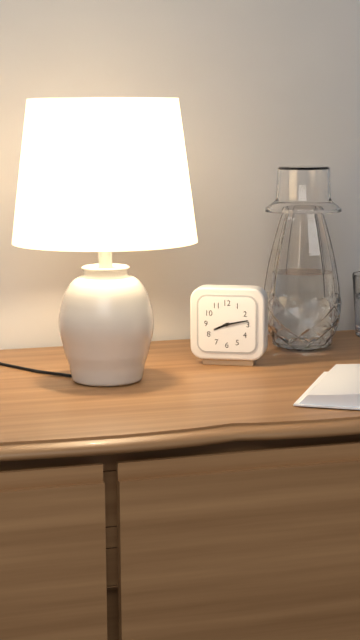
8.13
